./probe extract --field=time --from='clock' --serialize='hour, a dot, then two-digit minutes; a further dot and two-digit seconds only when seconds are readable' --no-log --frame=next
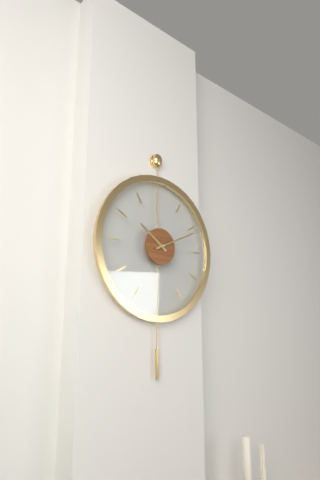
10.11
